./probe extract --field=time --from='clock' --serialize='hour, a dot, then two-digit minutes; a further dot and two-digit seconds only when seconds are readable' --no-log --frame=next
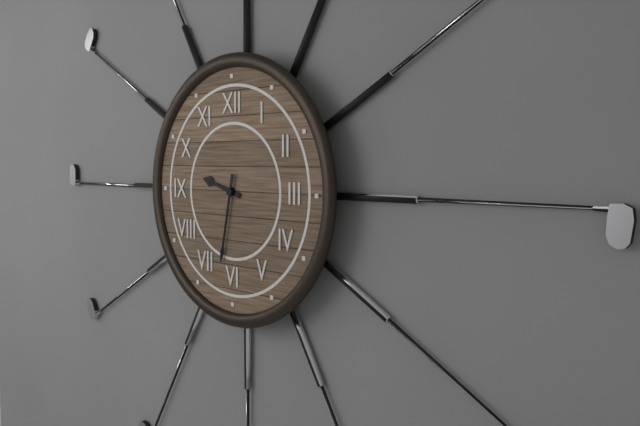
9.32
